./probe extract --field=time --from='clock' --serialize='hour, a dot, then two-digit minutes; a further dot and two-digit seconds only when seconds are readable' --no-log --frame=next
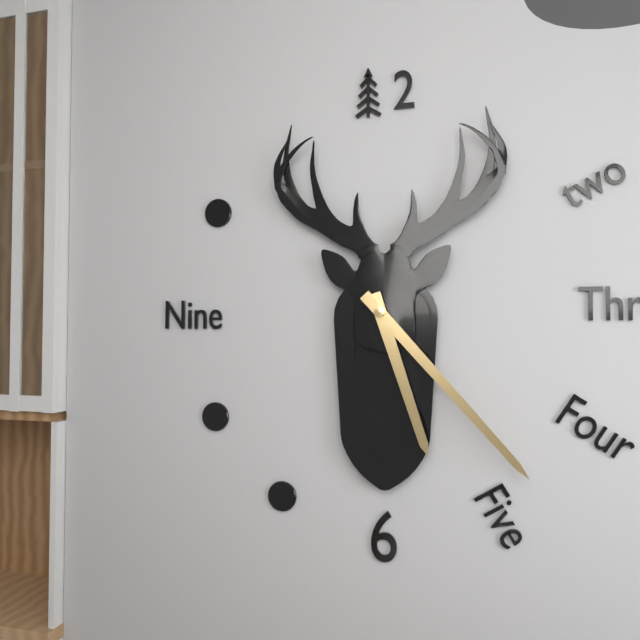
5.23
